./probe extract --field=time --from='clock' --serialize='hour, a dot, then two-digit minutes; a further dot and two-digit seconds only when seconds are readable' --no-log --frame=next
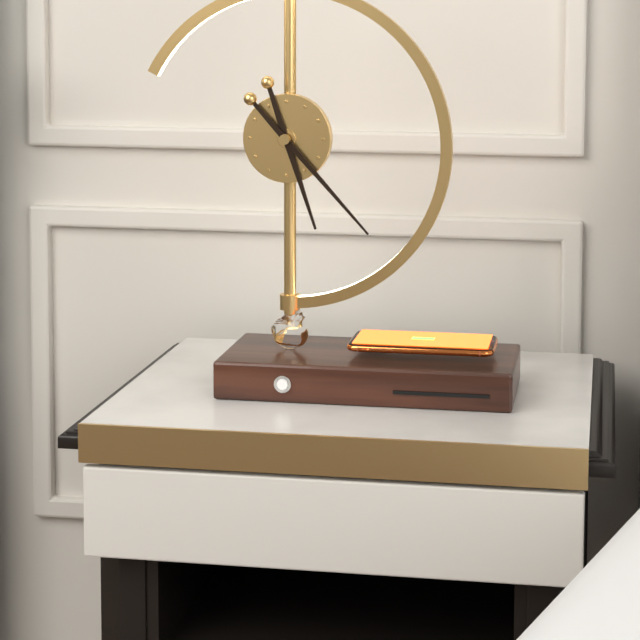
5.23
